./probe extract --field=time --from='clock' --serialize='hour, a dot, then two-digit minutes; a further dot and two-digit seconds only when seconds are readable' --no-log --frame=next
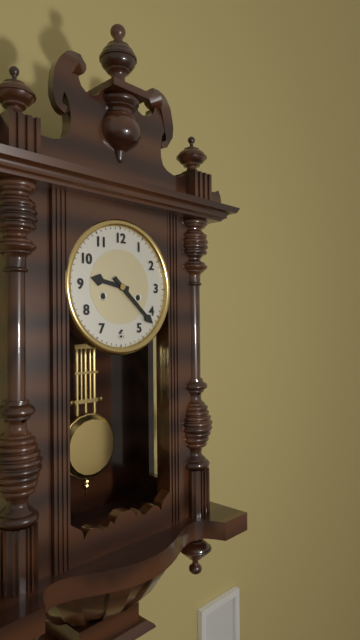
9.22
